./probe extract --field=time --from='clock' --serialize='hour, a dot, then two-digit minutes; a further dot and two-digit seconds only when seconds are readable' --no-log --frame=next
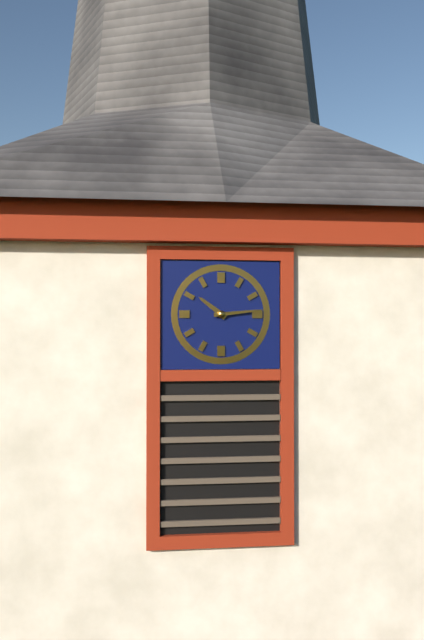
10.14
